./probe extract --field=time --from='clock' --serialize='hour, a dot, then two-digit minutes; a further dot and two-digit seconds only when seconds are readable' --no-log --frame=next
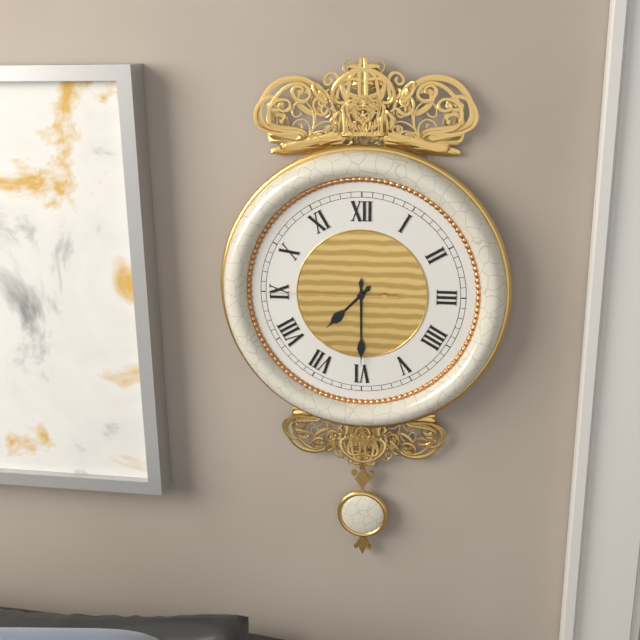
7.30.45
